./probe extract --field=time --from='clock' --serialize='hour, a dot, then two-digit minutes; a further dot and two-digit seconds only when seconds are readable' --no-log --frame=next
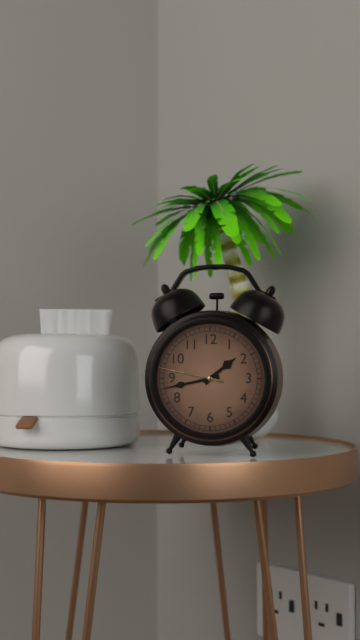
1.43.47
